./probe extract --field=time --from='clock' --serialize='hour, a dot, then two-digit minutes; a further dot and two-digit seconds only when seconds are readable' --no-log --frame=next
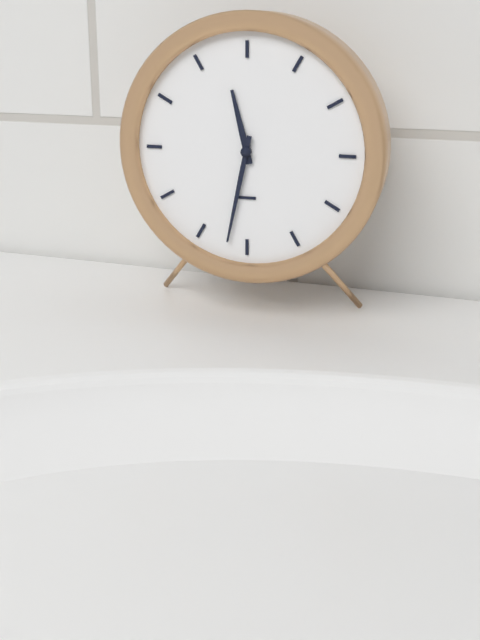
11.32
